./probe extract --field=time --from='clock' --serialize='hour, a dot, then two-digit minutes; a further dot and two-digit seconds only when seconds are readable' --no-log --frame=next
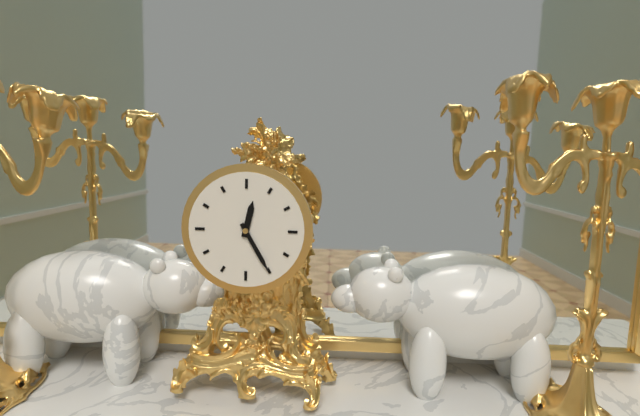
12.25
